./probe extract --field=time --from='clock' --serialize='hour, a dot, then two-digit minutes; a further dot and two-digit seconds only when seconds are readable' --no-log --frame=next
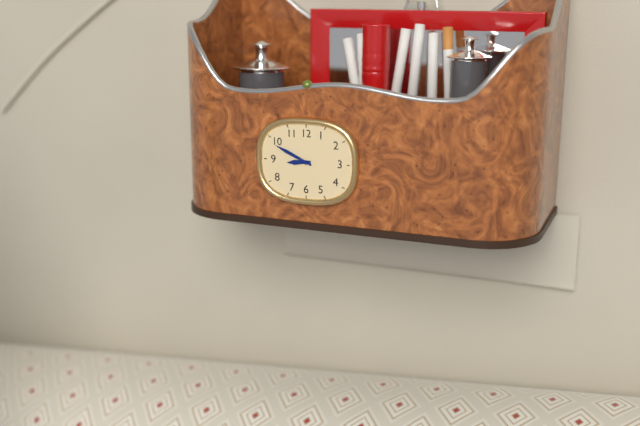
8.49
